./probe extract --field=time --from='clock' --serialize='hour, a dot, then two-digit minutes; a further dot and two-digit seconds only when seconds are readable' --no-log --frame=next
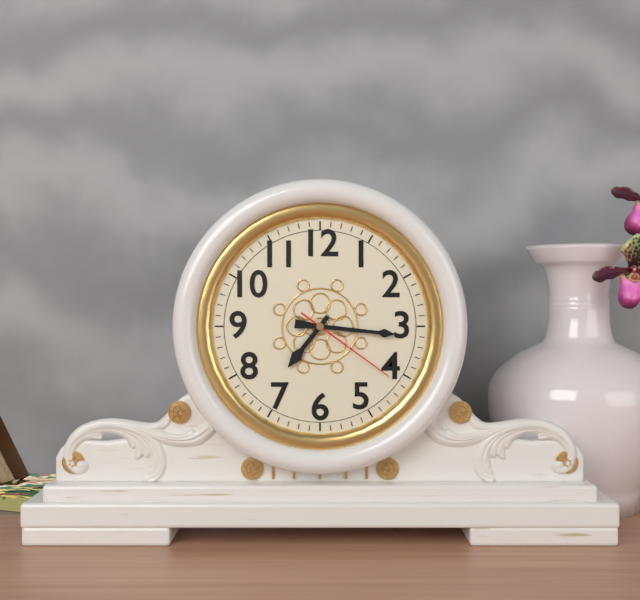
7.16.21
